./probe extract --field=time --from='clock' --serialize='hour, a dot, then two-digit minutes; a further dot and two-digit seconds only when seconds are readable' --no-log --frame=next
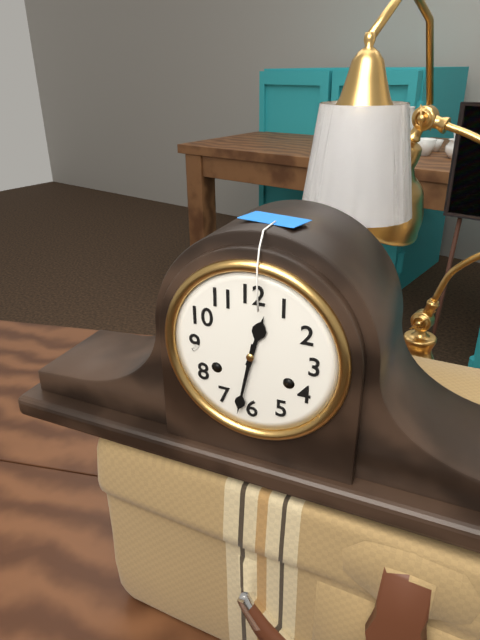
12.32
